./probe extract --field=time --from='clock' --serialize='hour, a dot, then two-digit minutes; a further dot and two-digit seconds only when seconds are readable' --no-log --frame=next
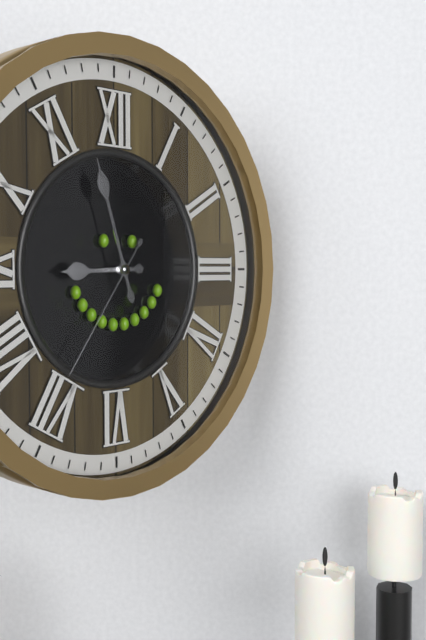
8.57.36
